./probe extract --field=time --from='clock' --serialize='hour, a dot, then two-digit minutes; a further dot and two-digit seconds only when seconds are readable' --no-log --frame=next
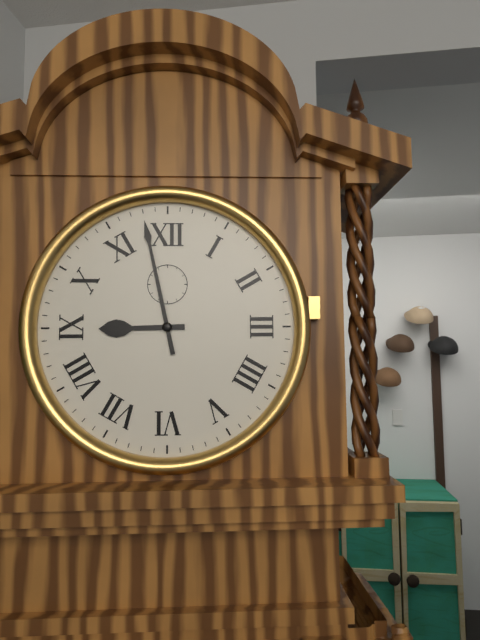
8.58
